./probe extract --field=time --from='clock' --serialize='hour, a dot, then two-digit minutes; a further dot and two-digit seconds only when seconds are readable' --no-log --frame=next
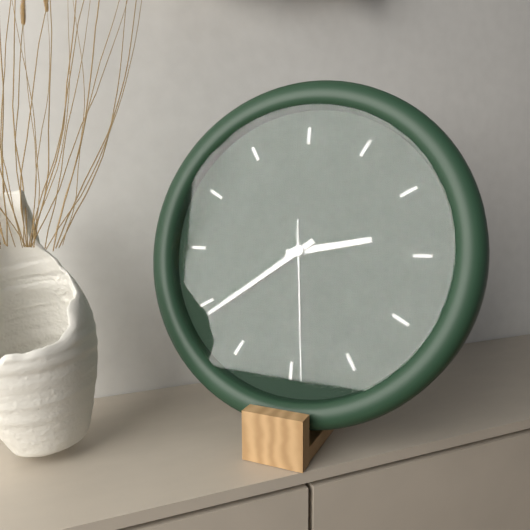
2.39.29
